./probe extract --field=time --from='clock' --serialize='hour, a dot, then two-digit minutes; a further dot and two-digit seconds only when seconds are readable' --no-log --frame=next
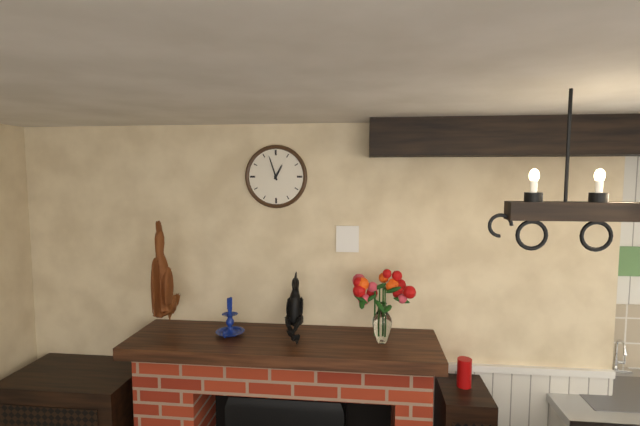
12.57
